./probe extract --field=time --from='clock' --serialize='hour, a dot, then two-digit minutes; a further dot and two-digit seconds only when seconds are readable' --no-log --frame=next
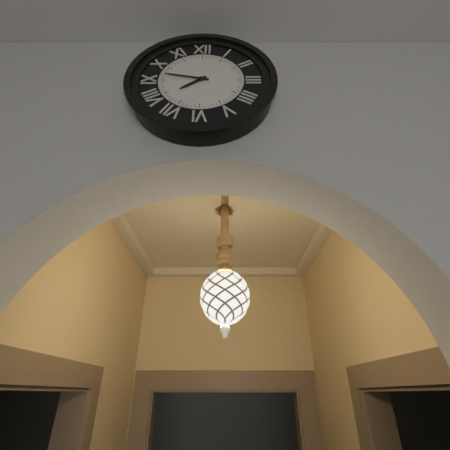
7.47
